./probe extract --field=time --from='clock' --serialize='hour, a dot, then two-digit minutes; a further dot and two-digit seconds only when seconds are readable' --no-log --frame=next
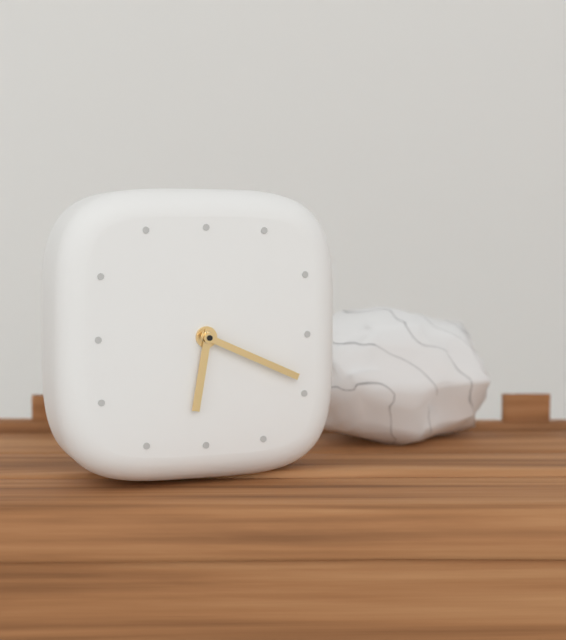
6.19
